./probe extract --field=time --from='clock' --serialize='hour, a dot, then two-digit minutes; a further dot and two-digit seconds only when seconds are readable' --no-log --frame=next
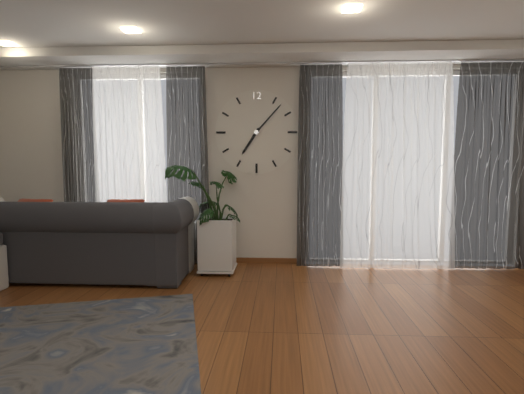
7.07
